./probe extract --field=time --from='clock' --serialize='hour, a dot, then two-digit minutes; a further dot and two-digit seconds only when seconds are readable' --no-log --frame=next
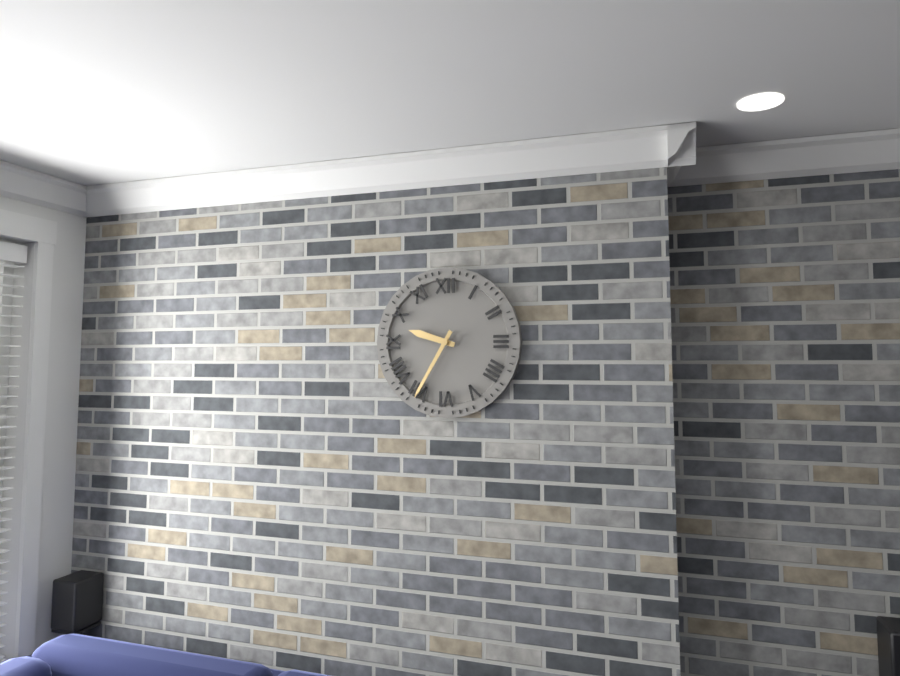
9.35
